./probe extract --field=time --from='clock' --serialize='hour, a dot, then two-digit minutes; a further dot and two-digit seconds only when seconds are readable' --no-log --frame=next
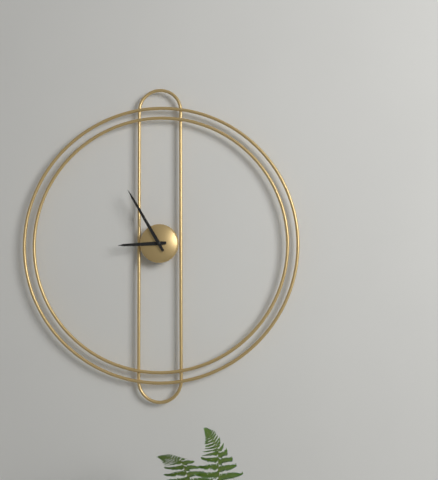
8.55
